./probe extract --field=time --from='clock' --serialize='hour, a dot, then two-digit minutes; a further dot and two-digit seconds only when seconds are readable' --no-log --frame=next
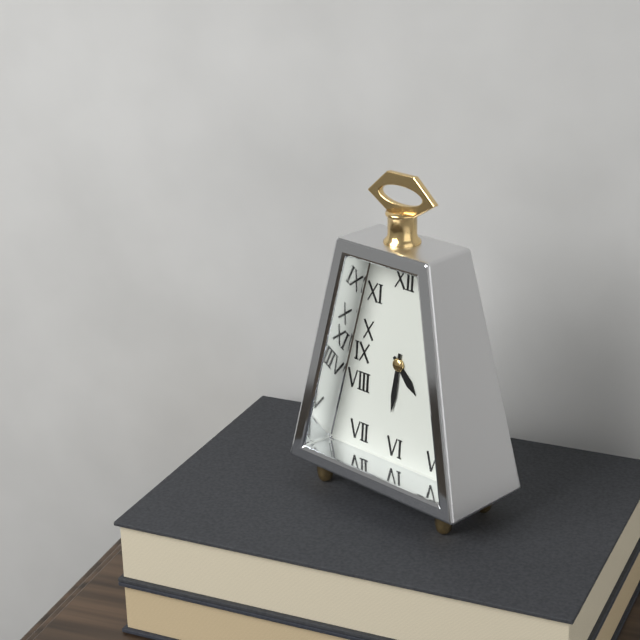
4.31
